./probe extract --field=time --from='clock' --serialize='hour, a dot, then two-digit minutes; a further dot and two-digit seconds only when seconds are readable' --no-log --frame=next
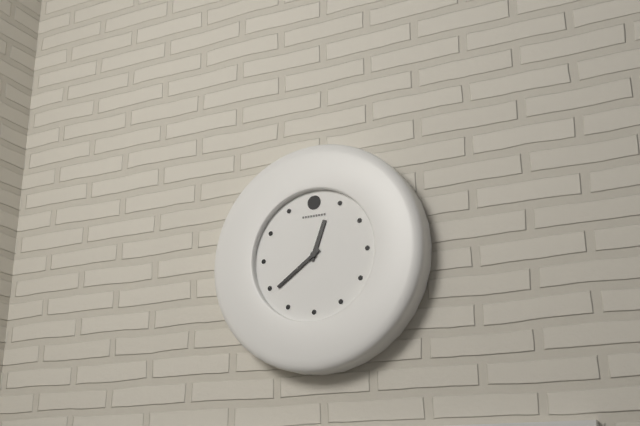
12.39
